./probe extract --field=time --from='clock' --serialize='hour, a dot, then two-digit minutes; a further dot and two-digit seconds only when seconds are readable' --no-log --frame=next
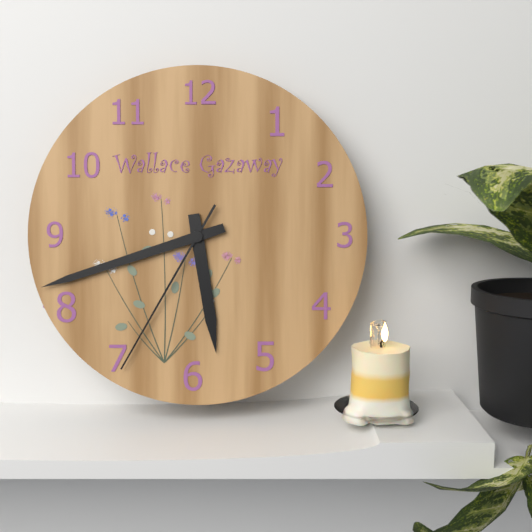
5.42.35
